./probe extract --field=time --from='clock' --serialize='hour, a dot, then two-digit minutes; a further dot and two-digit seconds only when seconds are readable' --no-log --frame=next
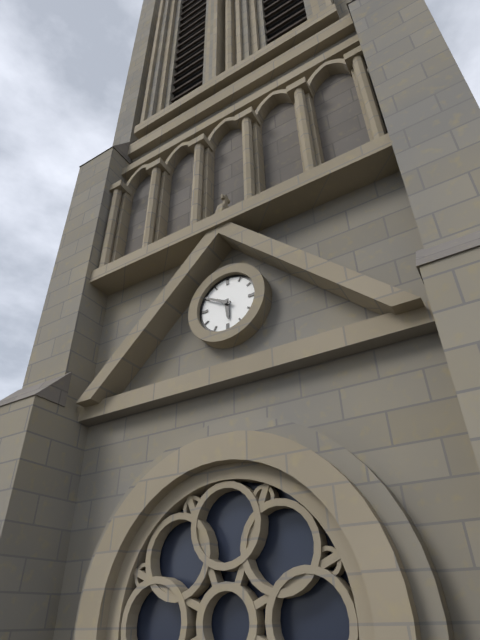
5.50
